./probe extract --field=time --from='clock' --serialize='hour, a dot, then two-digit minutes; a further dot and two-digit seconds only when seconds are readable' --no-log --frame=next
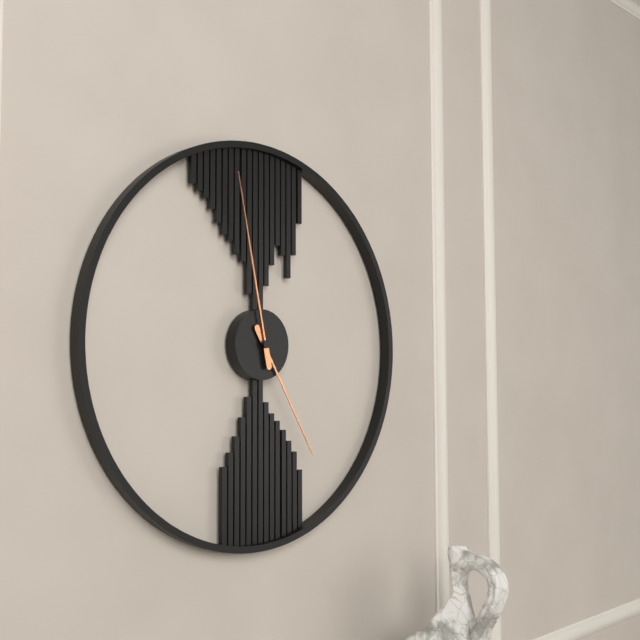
4.58
